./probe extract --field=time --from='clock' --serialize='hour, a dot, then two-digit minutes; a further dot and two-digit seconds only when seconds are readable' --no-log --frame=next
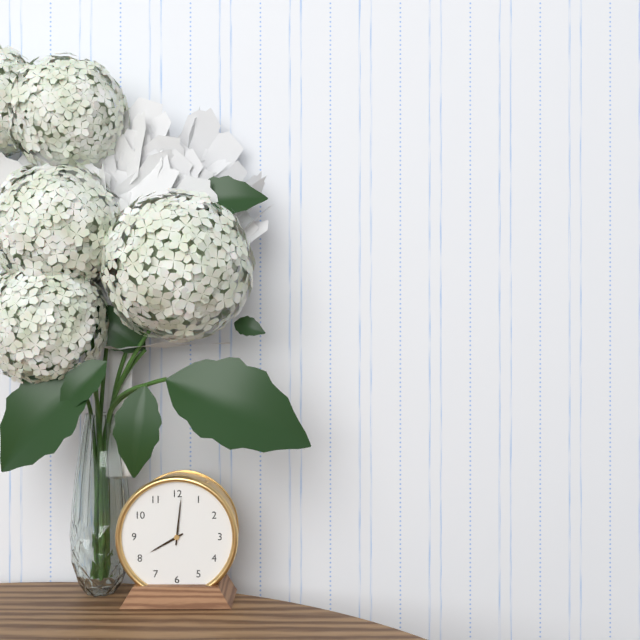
8.01
